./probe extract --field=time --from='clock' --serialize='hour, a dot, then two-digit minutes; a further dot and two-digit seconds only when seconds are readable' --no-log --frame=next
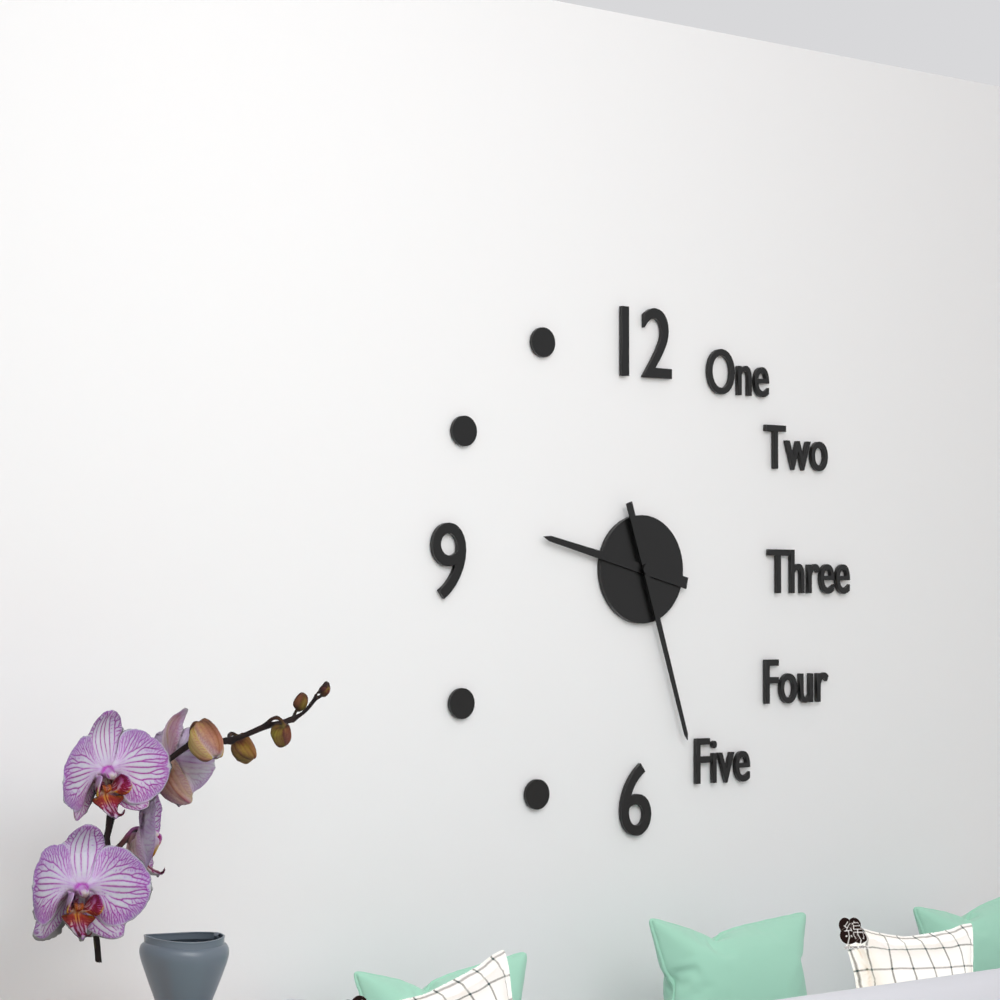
9.27
